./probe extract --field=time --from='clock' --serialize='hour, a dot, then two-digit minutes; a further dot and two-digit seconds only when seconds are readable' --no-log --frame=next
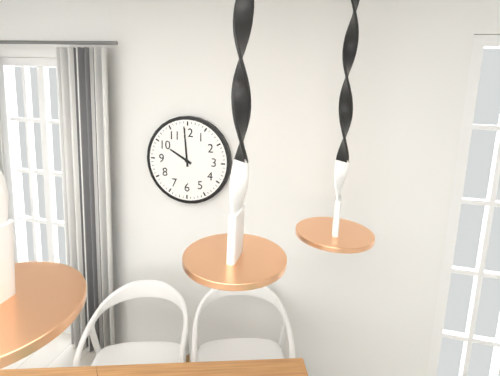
9.59
